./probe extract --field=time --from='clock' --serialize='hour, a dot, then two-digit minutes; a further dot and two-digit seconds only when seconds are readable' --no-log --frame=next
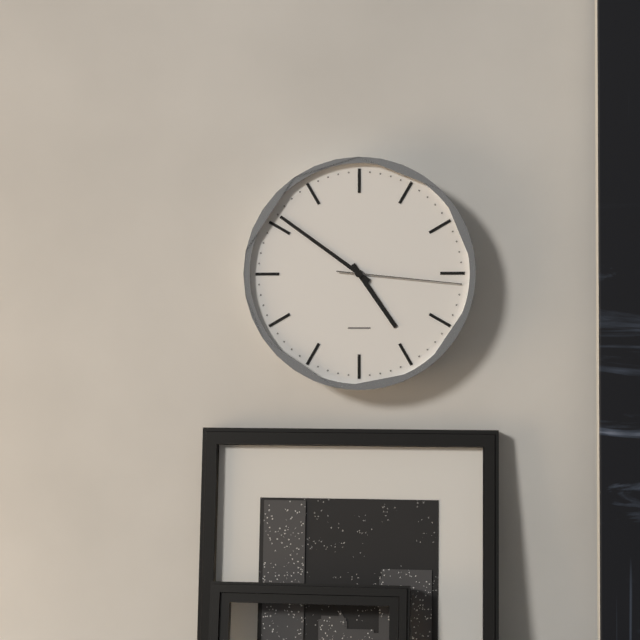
4.51.16
